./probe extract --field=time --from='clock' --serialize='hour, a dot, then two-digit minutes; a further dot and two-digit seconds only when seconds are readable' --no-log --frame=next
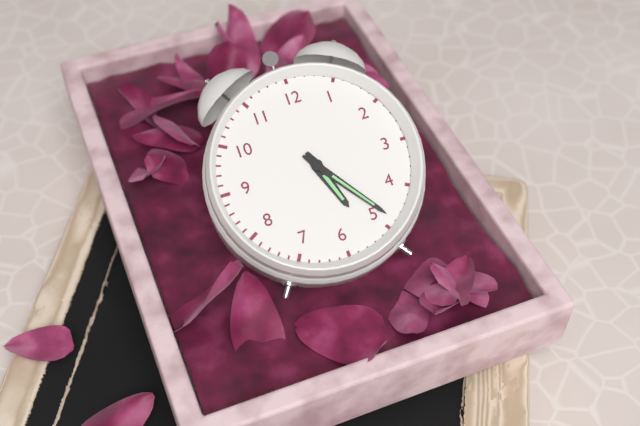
5.24
